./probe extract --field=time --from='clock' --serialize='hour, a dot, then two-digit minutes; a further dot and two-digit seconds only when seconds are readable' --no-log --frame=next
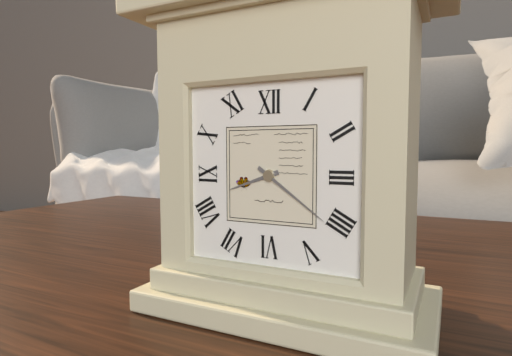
8.21
